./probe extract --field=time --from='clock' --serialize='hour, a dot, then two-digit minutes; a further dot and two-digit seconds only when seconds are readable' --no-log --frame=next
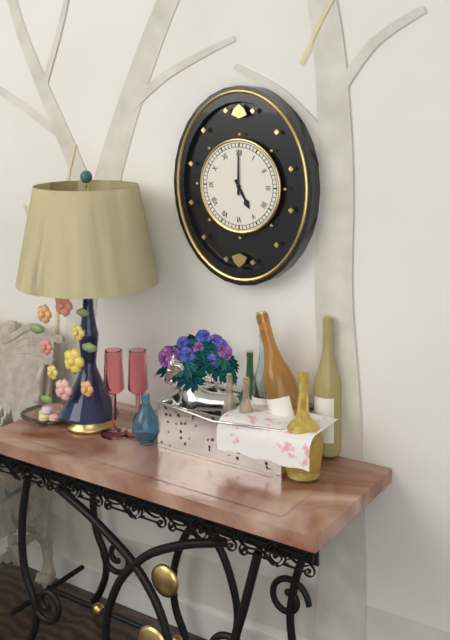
5.00
